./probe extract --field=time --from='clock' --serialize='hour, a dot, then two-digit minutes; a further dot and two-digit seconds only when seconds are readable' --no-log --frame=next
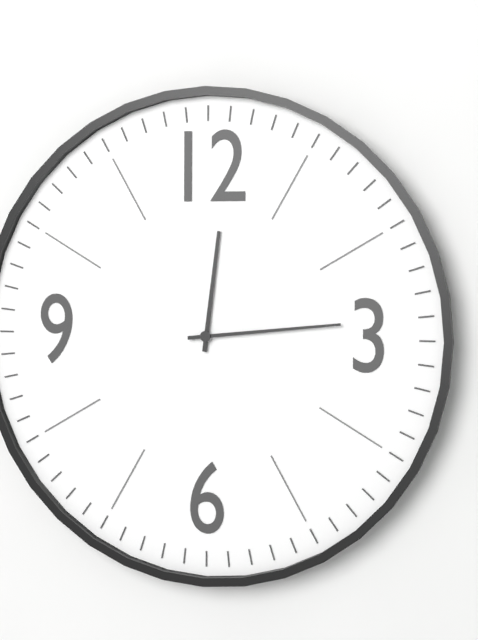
12.14
